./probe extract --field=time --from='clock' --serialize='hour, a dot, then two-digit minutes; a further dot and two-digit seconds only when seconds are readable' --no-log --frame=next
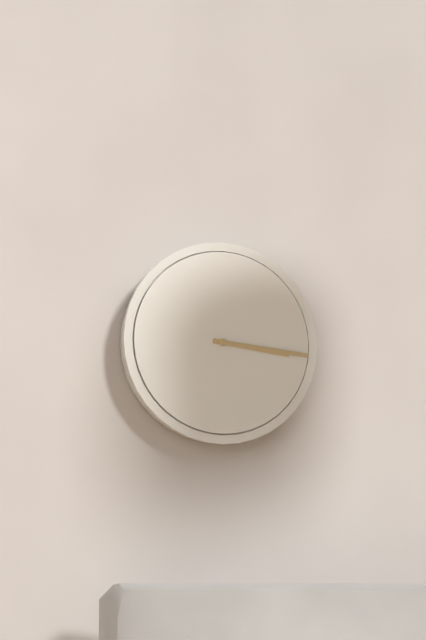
3.16
